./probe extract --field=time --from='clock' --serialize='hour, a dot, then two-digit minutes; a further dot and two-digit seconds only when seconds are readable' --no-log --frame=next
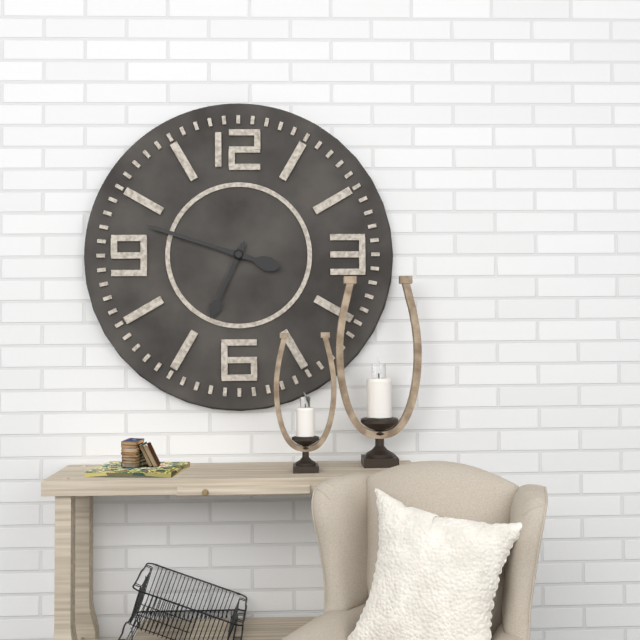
6.48
